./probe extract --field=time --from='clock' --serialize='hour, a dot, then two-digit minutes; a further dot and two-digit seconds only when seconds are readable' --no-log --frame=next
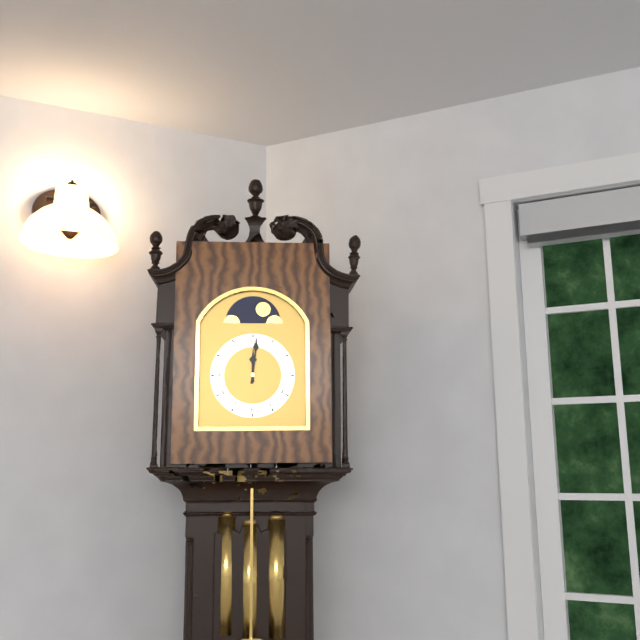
12.01
